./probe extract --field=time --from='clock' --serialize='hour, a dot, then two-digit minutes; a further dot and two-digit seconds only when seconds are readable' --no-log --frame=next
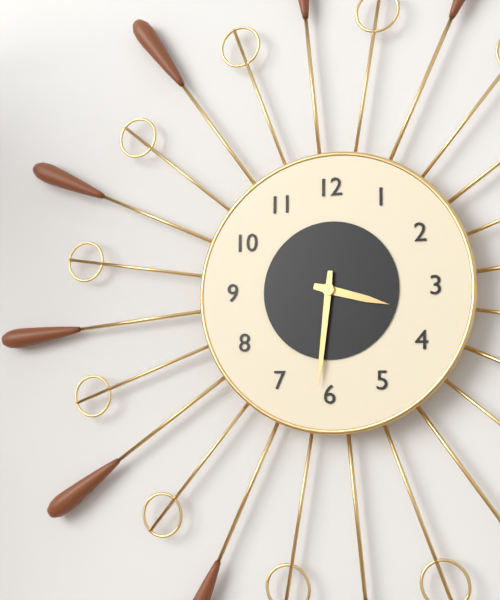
3.31
